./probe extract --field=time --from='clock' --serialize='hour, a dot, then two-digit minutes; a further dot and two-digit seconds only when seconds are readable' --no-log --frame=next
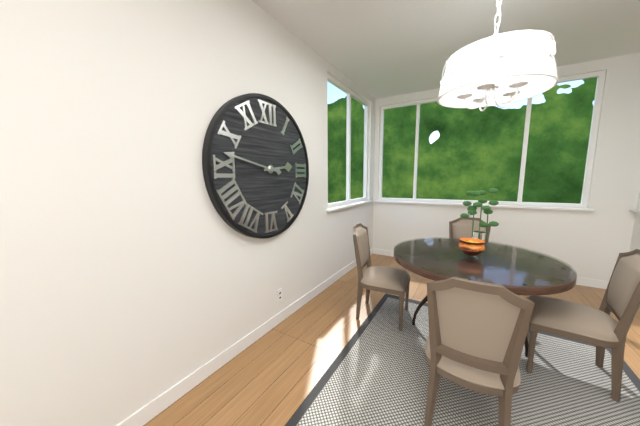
2.47
